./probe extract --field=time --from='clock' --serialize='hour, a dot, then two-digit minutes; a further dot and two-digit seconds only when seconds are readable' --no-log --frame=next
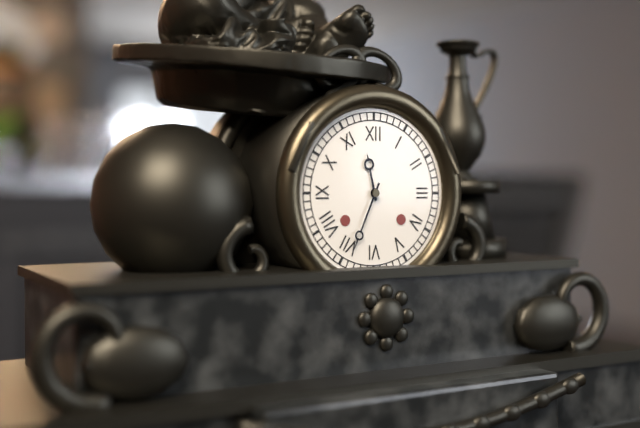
11.34
